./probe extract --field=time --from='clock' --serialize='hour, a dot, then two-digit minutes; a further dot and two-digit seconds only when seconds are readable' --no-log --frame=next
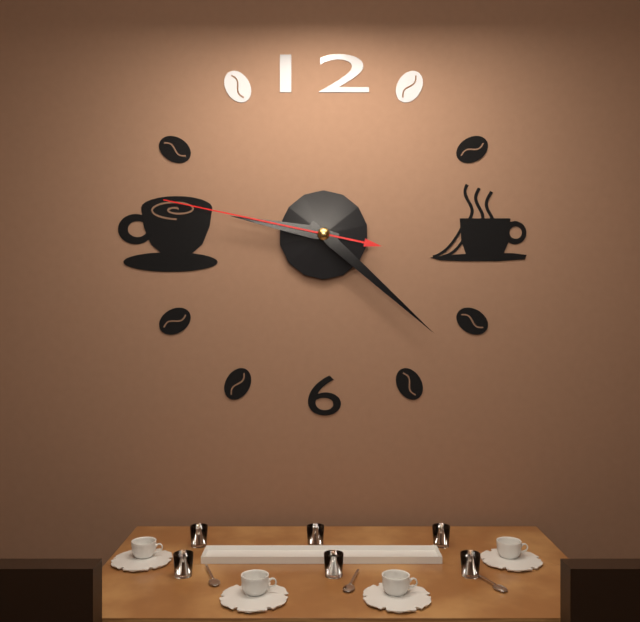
9.22.47
